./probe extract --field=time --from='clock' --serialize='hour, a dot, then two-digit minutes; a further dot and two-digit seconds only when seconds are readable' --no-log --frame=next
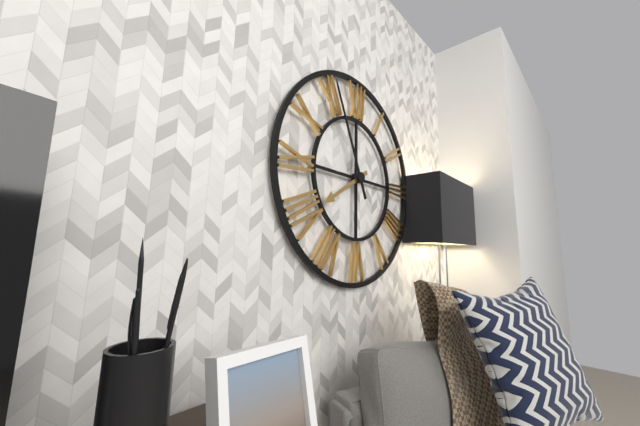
7.56
